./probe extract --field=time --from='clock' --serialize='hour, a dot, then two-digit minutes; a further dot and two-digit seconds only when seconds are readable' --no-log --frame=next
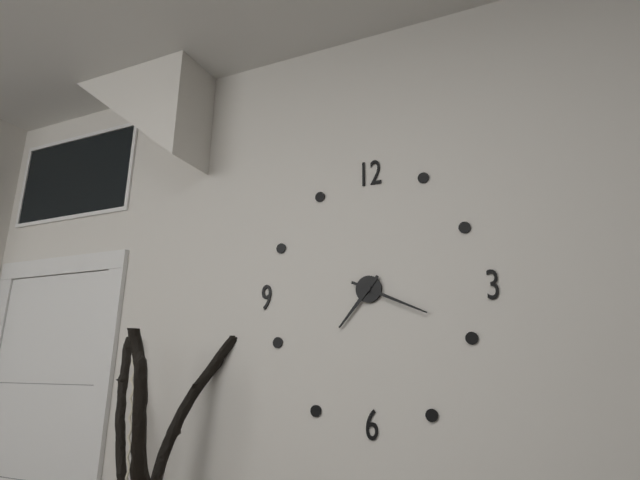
7.19
